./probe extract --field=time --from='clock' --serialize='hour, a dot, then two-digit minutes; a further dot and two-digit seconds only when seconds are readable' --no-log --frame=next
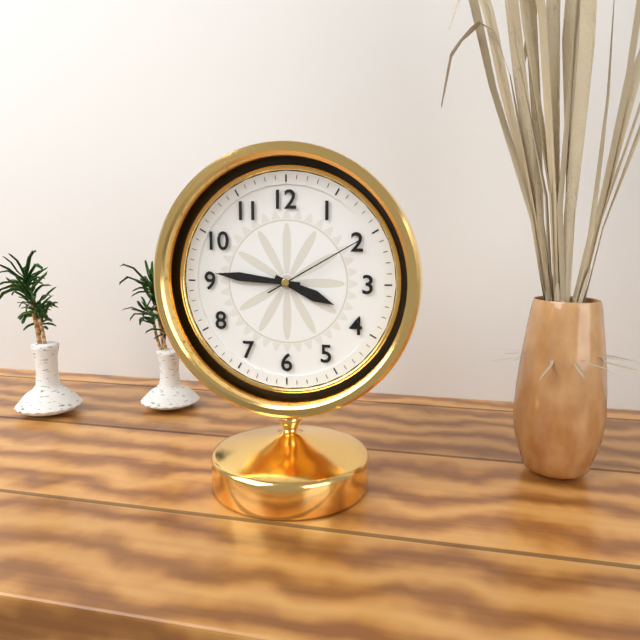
3.46.10
